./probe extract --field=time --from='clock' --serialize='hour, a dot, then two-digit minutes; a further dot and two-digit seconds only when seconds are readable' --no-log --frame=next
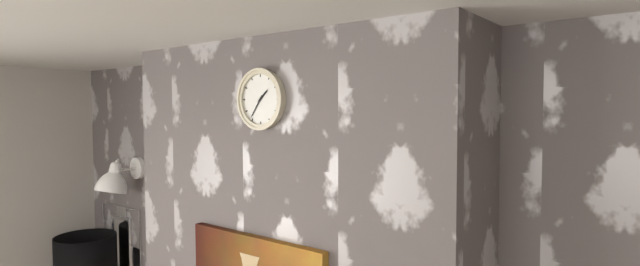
1.36
